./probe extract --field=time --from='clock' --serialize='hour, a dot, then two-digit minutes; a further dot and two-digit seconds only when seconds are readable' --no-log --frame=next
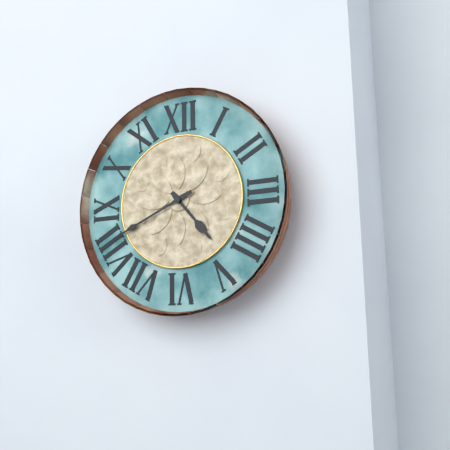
4.41
